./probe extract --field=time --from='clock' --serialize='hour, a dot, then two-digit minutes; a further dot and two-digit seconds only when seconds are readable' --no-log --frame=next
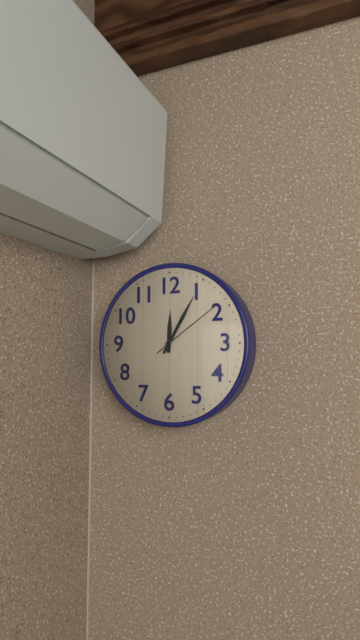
12.05.09
